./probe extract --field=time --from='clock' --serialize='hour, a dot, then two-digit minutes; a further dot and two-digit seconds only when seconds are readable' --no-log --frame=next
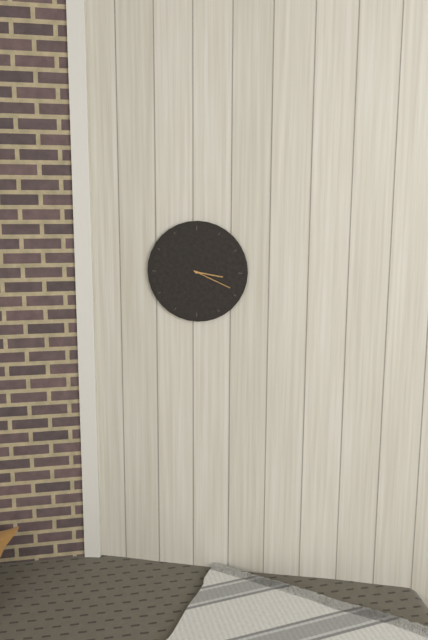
3.19
